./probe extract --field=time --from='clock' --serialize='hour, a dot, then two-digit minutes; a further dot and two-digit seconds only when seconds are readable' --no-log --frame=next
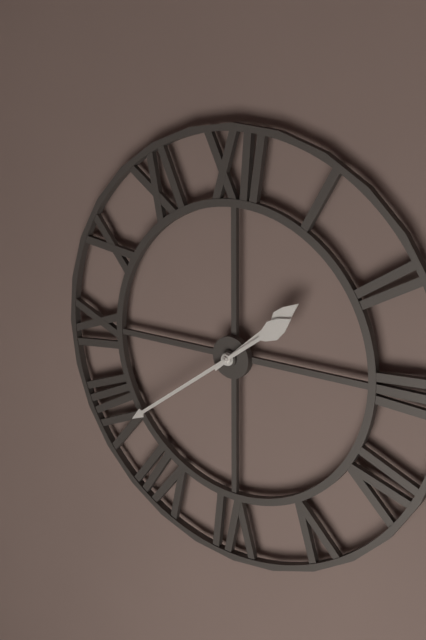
1.39
